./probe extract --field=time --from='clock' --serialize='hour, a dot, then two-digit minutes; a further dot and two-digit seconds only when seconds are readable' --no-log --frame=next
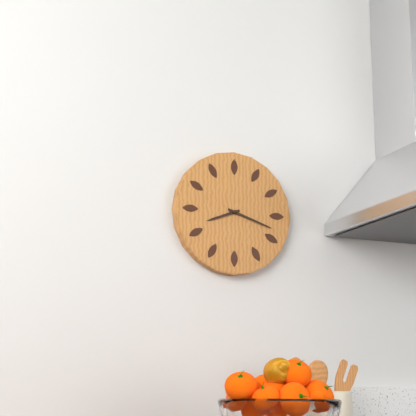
8.18
